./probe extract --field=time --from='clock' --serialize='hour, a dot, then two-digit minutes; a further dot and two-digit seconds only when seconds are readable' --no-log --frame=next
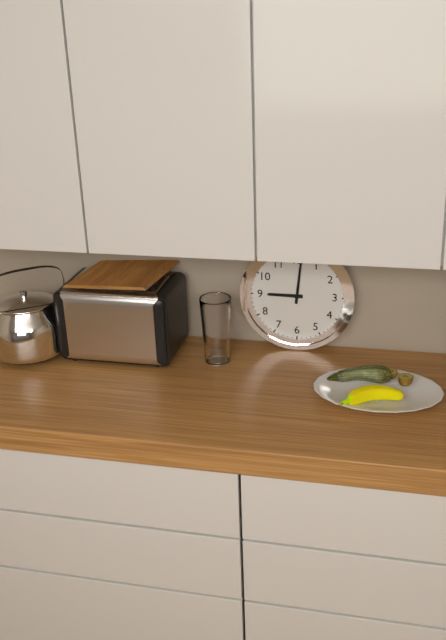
9.01
